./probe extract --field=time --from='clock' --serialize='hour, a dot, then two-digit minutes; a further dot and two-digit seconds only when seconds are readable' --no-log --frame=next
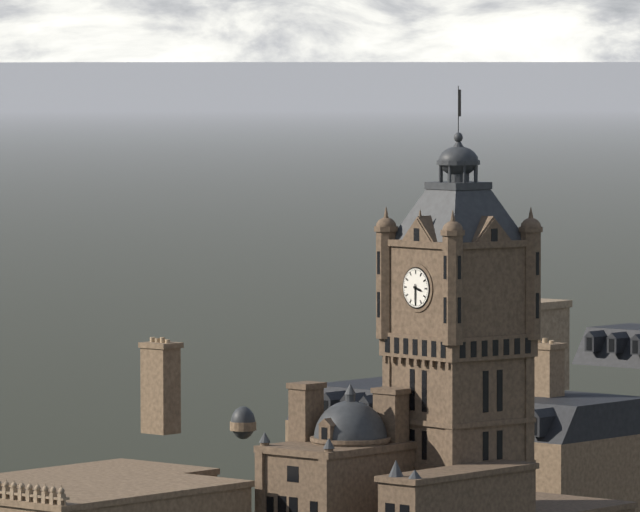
3.30
